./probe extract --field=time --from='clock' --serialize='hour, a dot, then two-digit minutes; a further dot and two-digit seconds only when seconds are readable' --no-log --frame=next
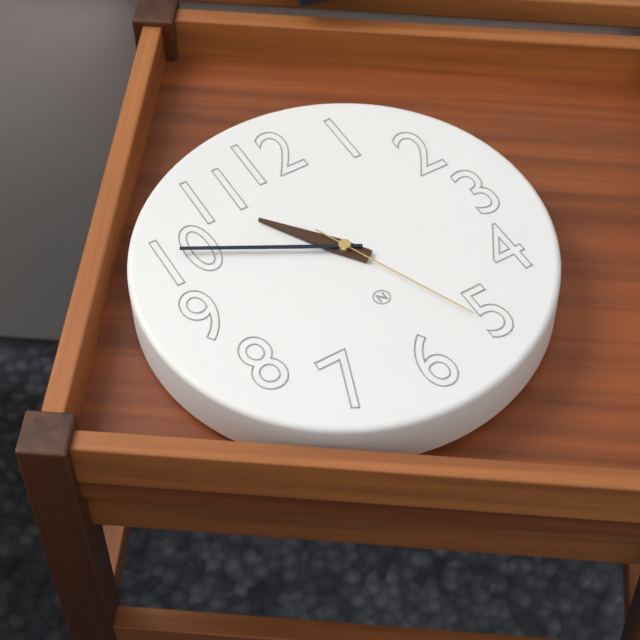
10.50.26
